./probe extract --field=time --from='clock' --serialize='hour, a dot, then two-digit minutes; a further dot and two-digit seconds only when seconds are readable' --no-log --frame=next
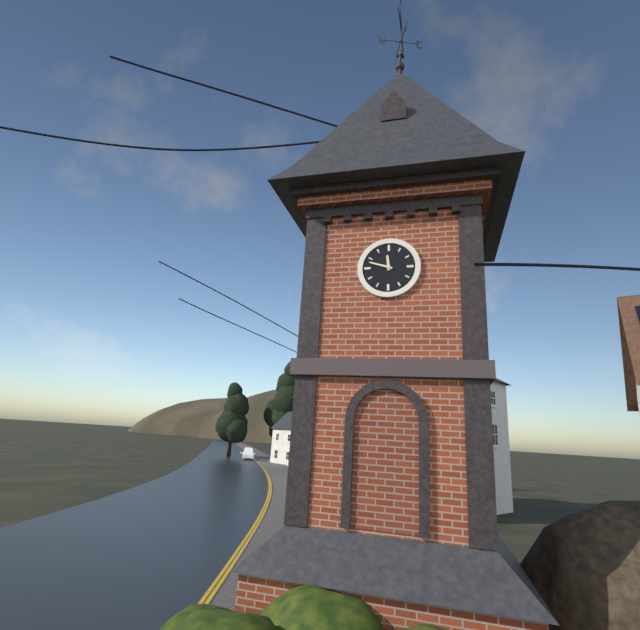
11.48
